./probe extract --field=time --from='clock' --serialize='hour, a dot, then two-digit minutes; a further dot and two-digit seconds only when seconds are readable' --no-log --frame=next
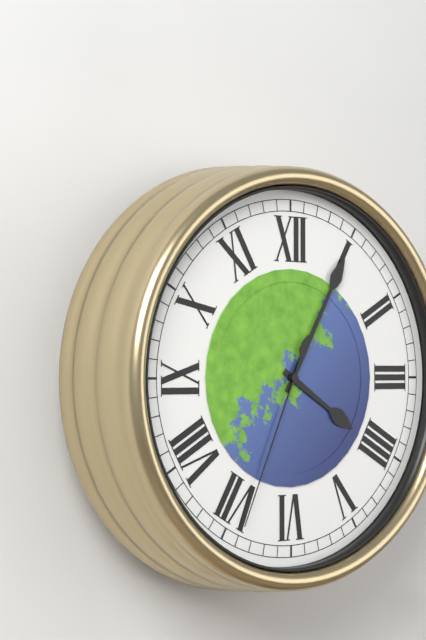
4.05.34
